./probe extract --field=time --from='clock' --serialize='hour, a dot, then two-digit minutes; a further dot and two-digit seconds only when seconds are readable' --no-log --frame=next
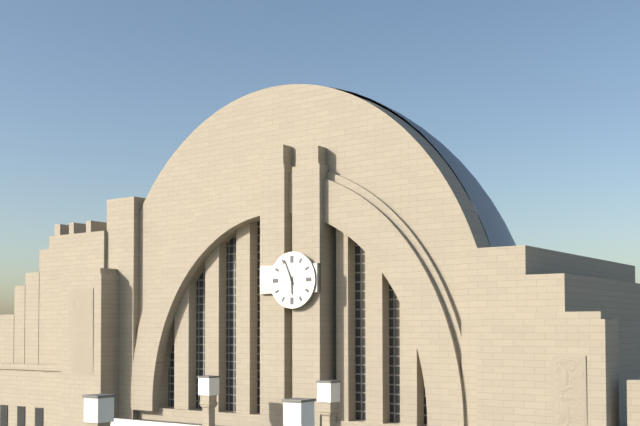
5.56
